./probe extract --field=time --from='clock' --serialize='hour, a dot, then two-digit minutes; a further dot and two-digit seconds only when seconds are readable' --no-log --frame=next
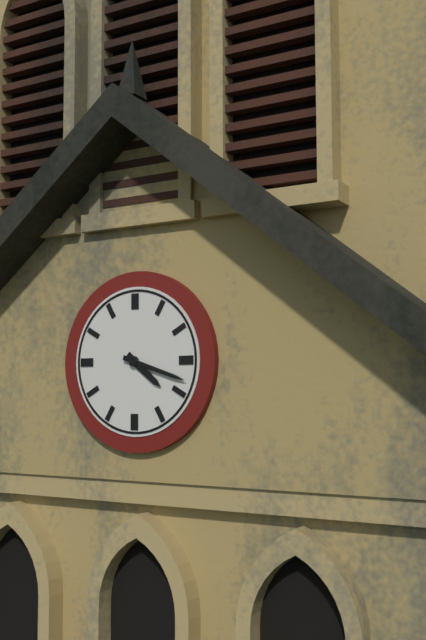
4.18
